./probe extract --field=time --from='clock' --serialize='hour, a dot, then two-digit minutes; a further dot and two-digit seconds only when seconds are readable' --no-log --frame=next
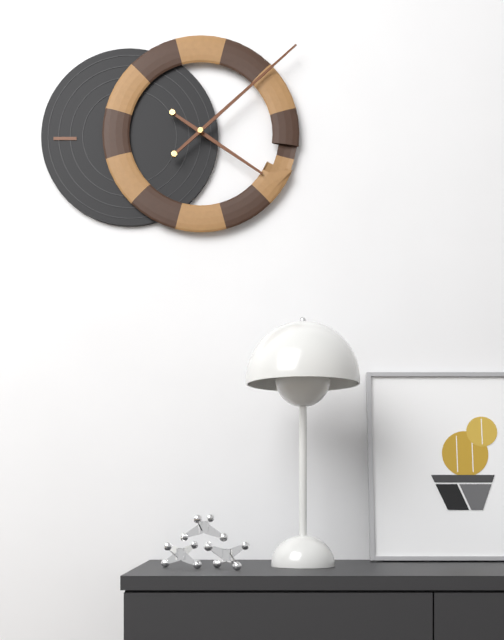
4.08
